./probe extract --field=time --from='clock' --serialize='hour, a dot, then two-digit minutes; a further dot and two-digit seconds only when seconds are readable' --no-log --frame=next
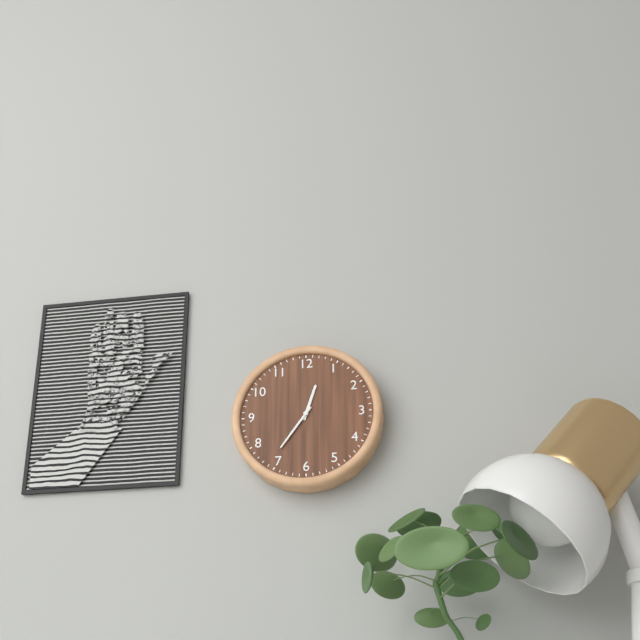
12.36
